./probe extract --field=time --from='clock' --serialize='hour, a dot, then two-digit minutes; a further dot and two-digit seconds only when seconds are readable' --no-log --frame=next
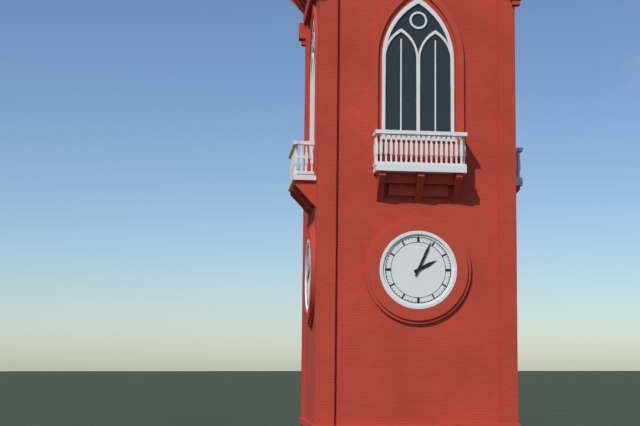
2.04
